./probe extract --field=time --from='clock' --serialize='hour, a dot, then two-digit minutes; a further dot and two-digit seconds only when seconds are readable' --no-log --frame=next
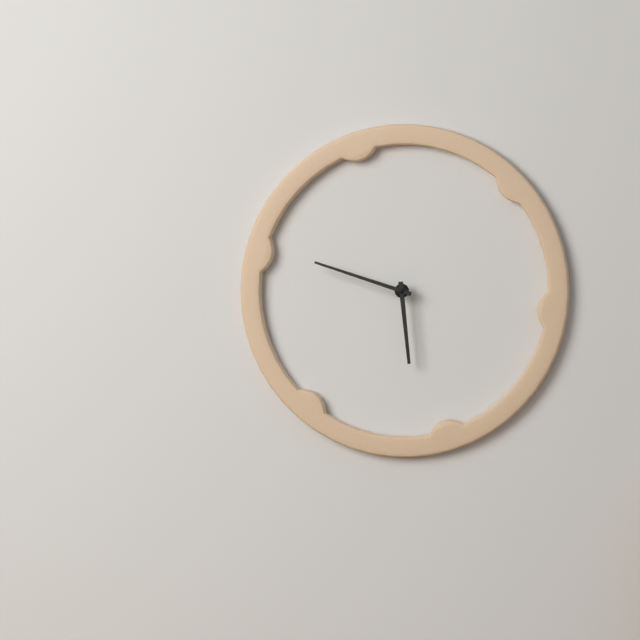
5.48
